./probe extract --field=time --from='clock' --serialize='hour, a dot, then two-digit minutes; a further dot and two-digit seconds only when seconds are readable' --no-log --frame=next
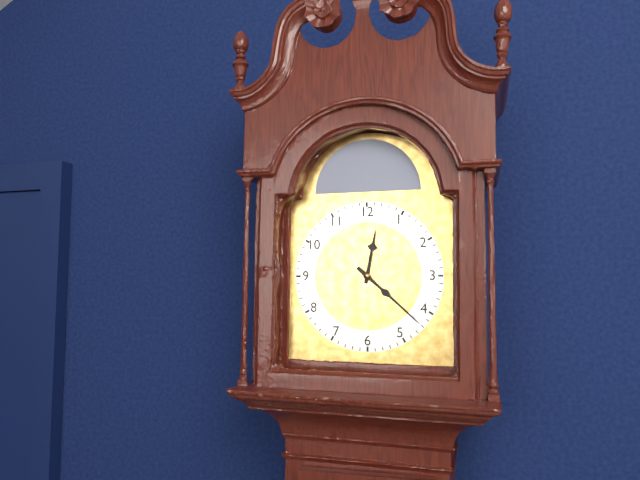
12.22
